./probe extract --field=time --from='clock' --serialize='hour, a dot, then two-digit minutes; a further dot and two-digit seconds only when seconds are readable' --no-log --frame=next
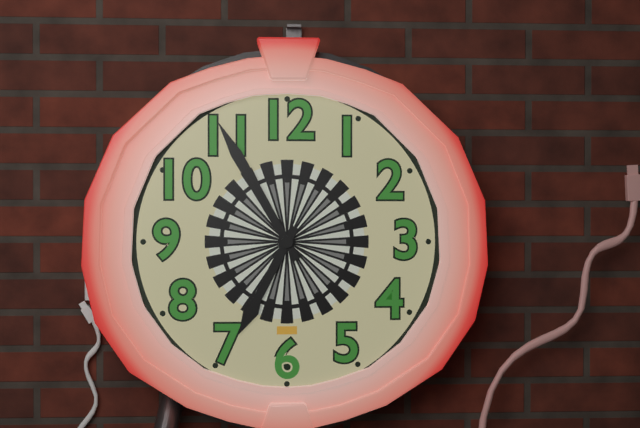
6.55
